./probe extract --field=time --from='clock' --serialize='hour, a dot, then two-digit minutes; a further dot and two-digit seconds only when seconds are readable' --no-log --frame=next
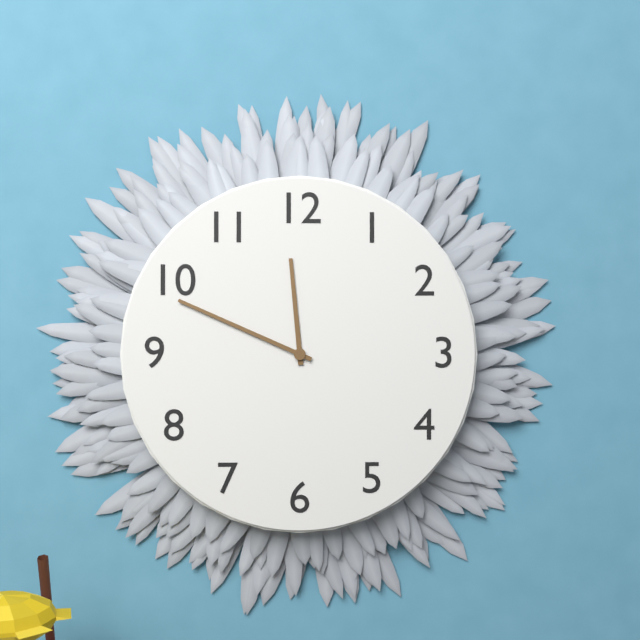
11.49
